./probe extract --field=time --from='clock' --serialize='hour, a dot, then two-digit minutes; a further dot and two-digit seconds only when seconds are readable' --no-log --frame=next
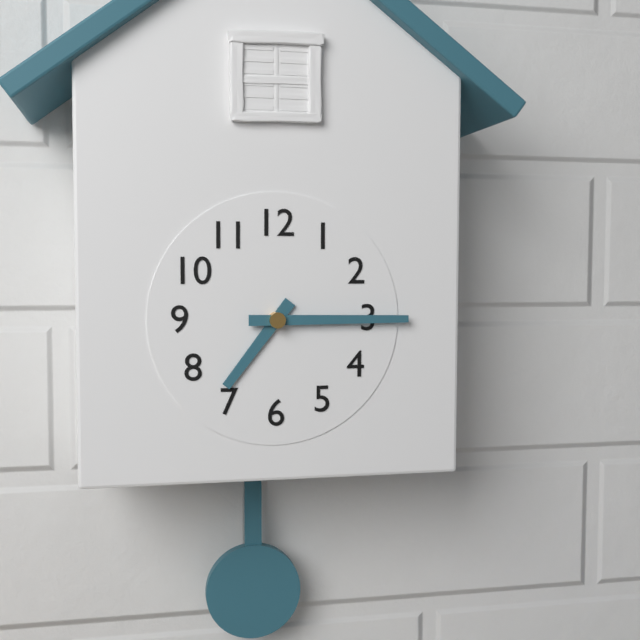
7.15
